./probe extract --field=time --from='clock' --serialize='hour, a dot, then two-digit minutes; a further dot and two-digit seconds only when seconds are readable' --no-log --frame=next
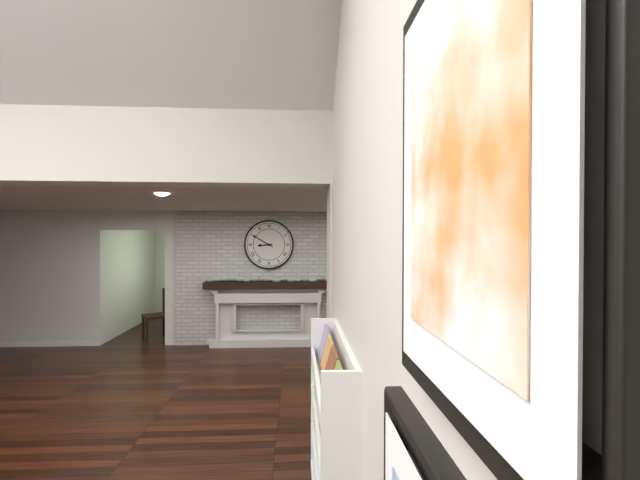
8.50
